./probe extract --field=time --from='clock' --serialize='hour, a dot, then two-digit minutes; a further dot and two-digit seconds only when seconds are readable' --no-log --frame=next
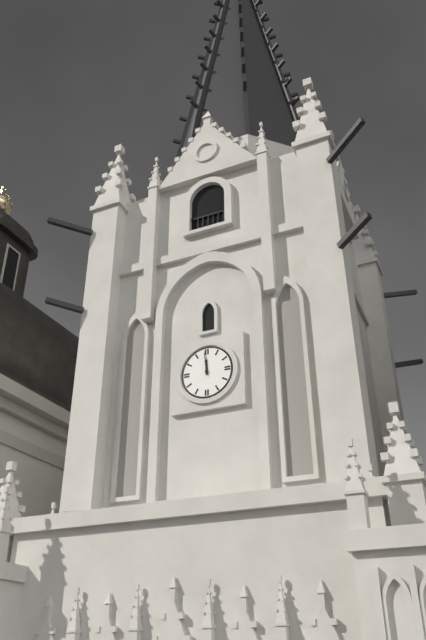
11.59
